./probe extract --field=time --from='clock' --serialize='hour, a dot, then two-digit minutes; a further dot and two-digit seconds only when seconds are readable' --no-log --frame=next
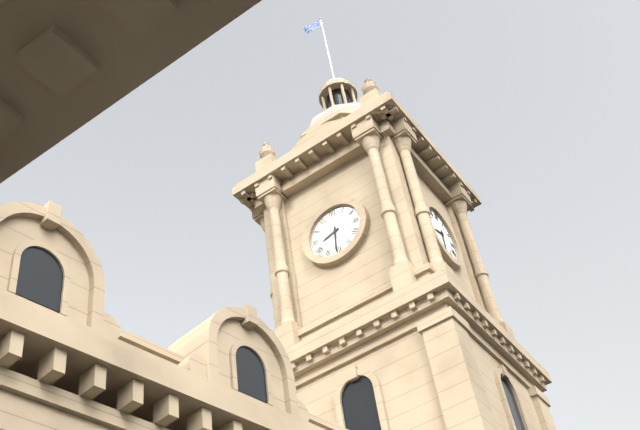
8.31
